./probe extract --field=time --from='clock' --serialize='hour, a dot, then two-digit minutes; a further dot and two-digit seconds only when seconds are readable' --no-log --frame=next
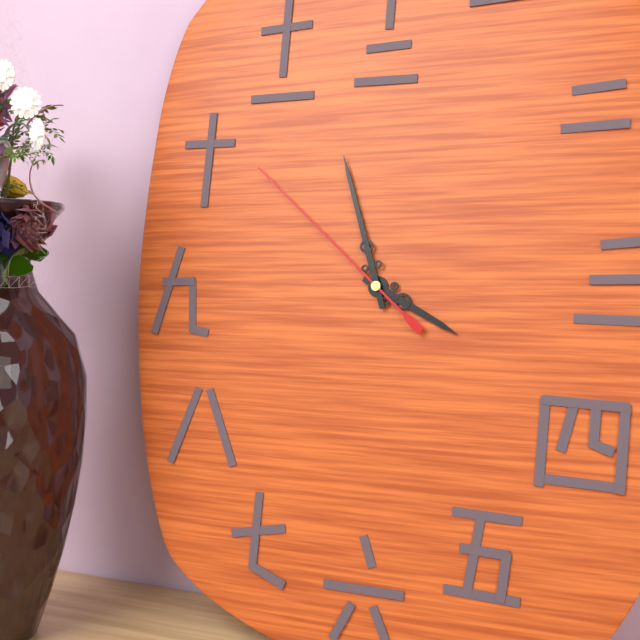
3.57.52
